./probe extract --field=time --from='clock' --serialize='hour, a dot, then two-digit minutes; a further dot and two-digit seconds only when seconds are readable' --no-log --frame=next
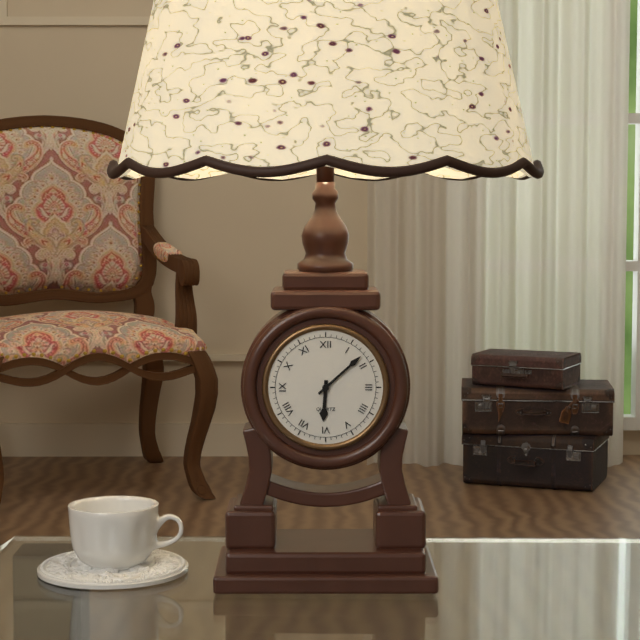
6.08
